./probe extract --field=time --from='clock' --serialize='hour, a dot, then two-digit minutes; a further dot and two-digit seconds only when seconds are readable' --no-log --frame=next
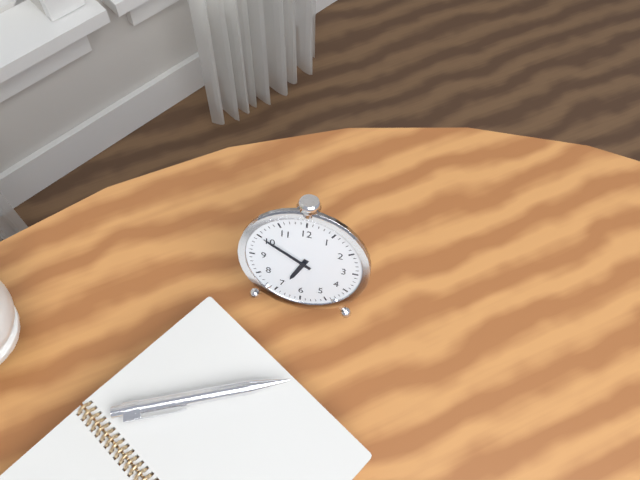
6.50
